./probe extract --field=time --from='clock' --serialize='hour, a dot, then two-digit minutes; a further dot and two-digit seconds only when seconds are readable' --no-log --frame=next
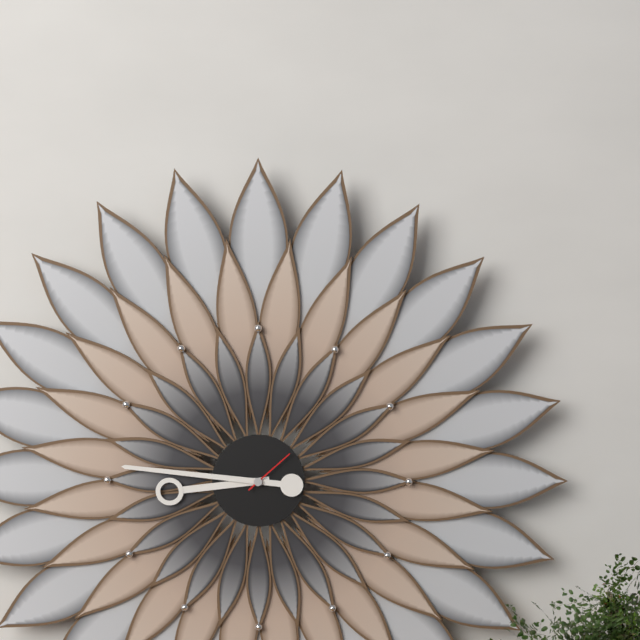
8.46.08
